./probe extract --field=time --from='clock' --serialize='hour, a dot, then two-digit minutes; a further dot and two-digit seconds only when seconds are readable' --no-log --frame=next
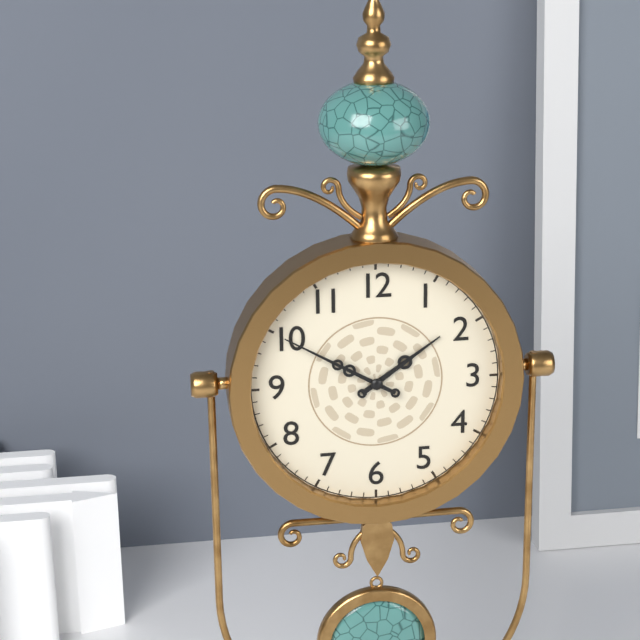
1.50
